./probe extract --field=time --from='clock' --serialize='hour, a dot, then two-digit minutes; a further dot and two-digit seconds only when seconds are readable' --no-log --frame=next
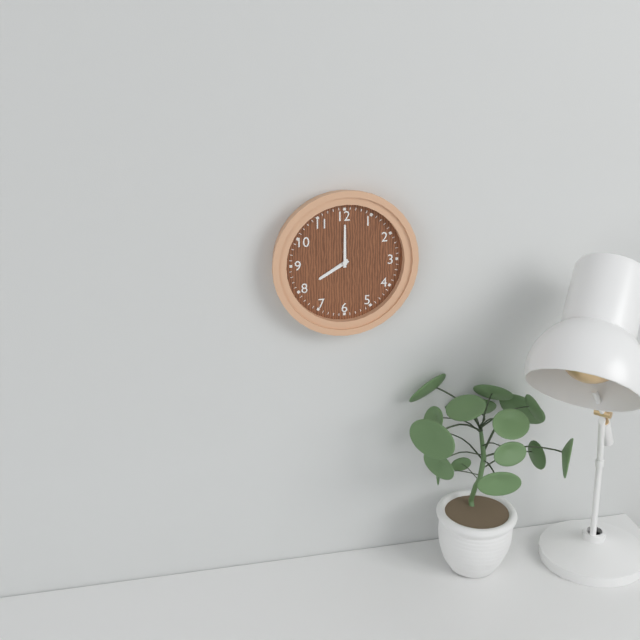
8.00
